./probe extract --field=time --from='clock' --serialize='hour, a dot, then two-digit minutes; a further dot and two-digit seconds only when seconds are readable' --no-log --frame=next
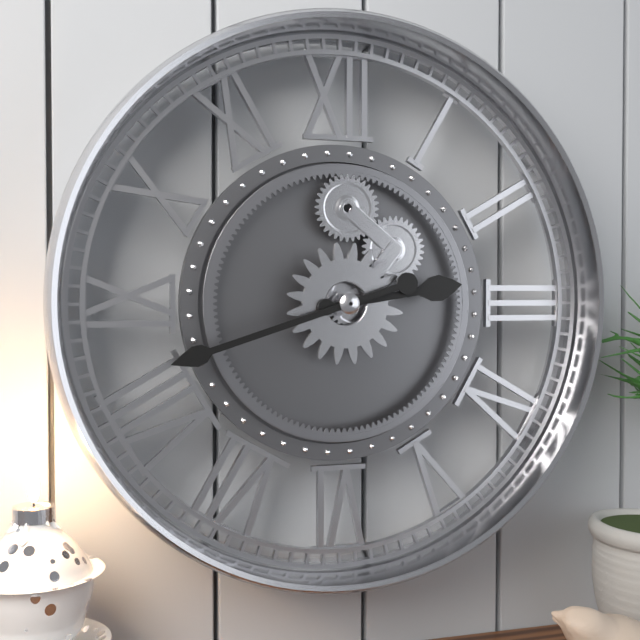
2.42
